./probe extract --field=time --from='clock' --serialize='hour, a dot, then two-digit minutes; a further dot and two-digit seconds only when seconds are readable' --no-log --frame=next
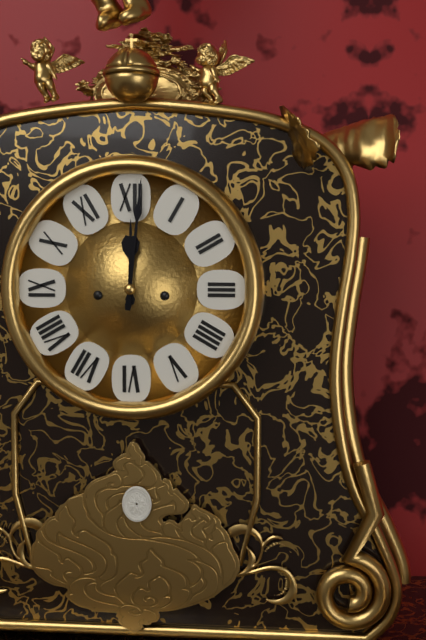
12.01
